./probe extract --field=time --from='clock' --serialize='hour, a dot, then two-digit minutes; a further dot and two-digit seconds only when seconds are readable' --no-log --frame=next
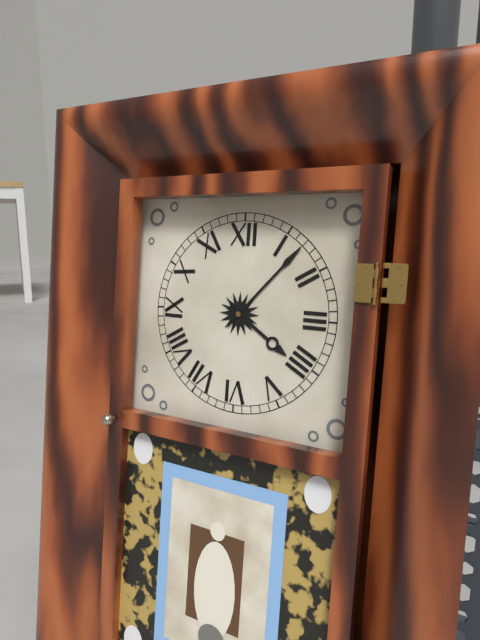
4.07
